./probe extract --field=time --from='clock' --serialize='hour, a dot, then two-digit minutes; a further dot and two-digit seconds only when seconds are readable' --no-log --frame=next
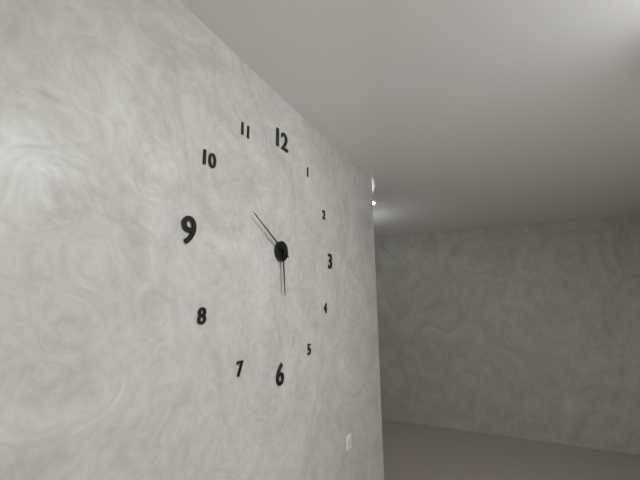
5.50
